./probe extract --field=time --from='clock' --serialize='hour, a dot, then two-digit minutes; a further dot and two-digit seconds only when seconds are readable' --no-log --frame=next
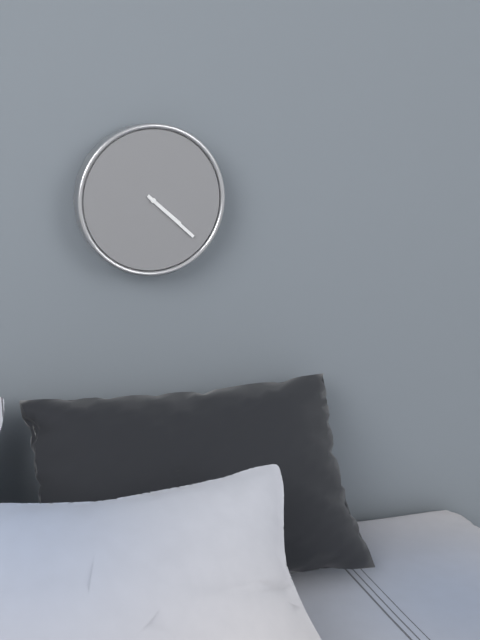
4.22
